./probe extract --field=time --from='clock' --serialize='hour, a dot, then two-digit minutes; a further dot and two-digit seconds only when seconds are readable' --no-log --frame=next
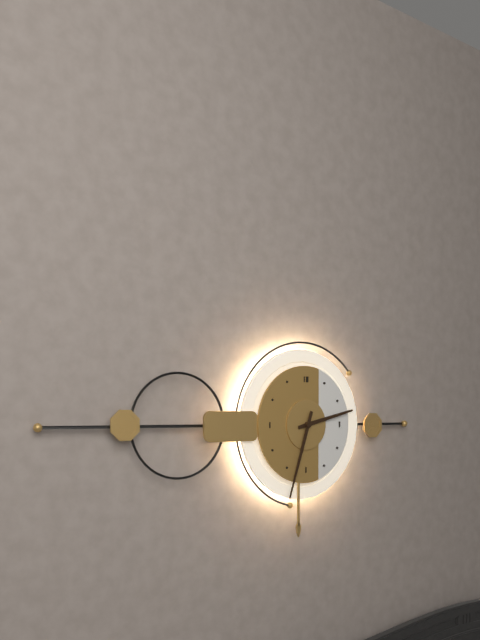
2.33
